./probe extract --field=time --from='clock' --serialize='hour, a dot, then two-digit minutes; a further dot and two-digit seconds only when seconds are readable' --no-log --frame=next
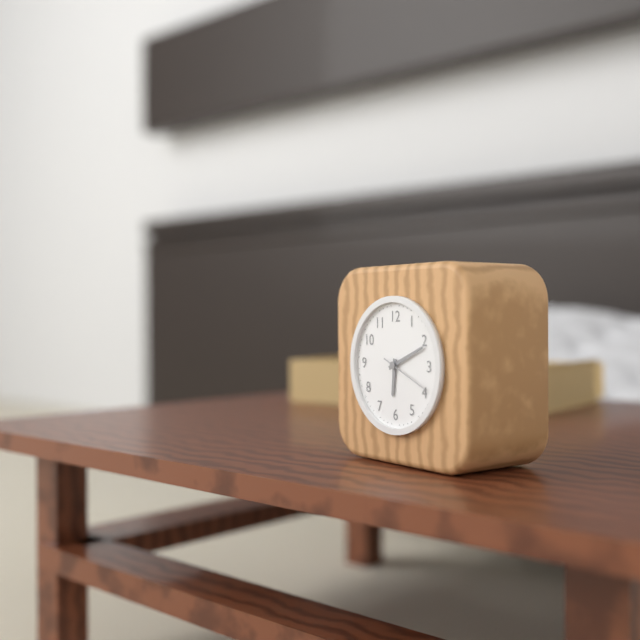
6.11.19
